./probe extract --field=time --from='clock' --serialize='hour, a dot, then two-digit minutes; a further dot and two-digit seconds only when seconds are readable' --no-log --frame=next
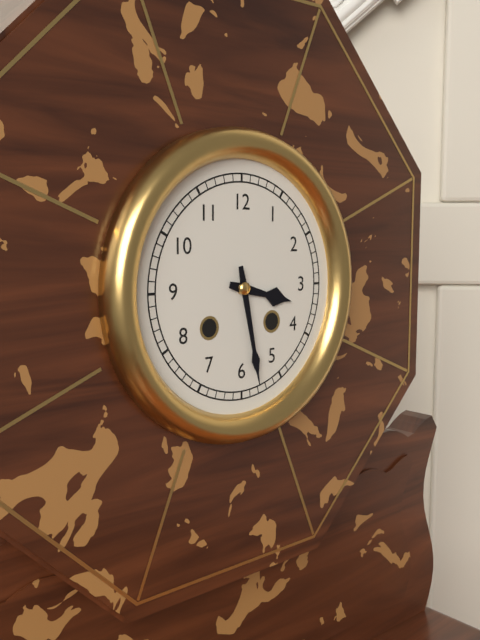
3.28
